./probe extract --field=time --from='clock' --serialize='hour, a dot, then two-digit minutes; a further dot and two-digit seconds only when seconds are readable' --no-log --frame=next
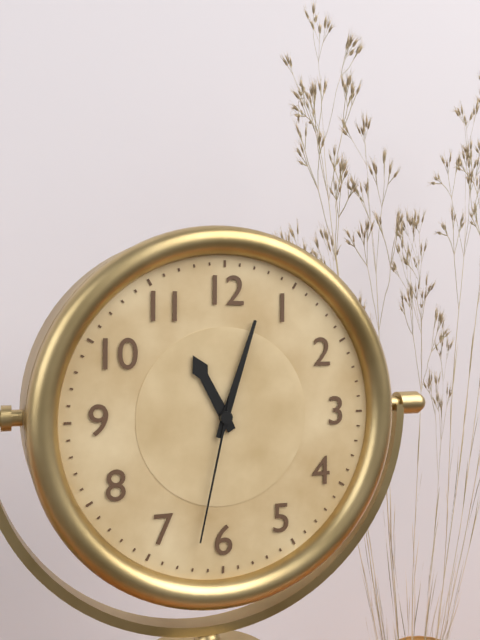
11.03.32
